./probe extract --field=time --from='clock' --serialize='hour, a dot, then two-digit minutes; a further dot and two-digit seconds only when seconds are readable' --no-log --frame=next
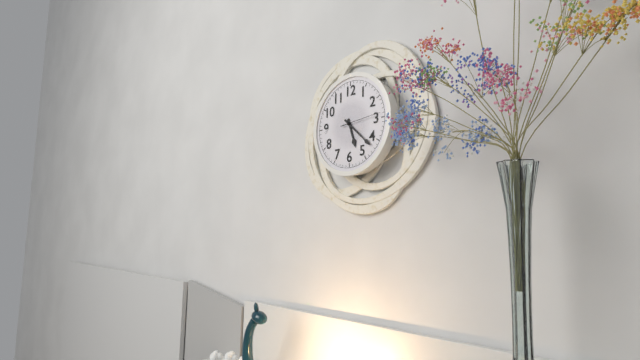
5.22
